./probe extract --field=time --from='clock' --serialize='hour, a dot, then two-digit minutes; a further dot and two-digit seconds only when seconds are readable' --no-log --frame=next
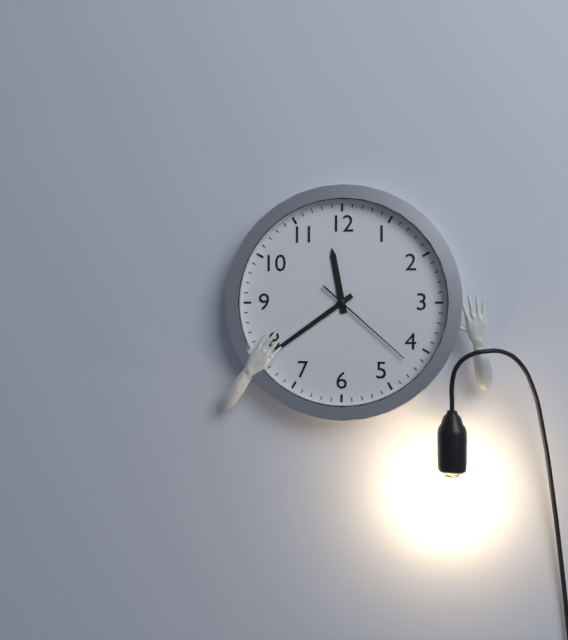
11.39.22
